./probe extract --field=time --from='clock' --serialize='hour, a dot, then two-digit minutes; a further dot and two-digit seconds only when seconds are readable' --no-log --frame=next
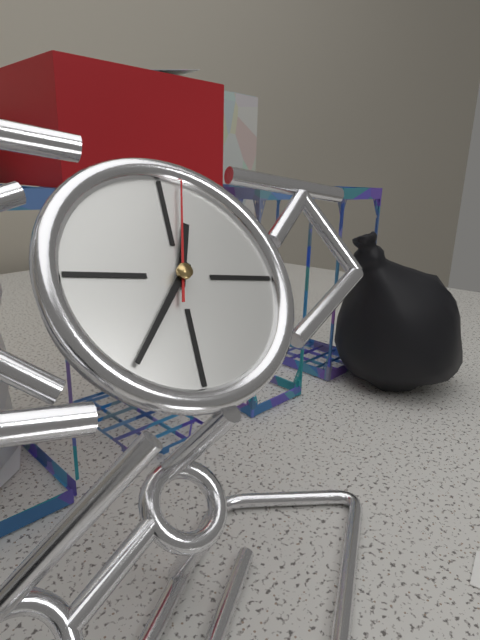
12.36.02
